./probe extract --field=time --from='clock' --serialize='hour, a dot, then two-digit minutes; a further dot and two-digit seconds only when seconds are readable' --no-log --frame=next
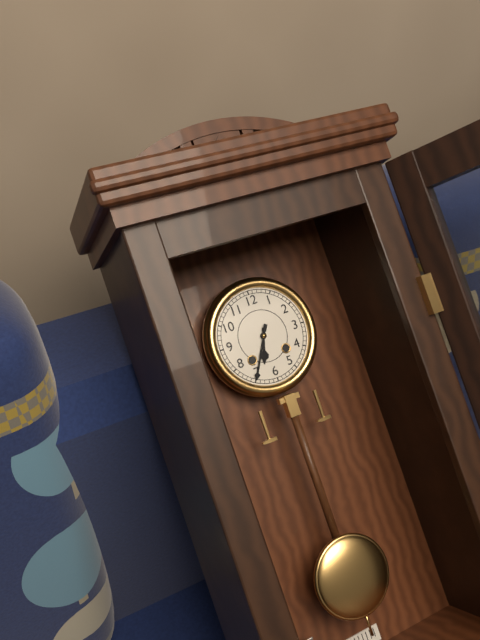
6.35
